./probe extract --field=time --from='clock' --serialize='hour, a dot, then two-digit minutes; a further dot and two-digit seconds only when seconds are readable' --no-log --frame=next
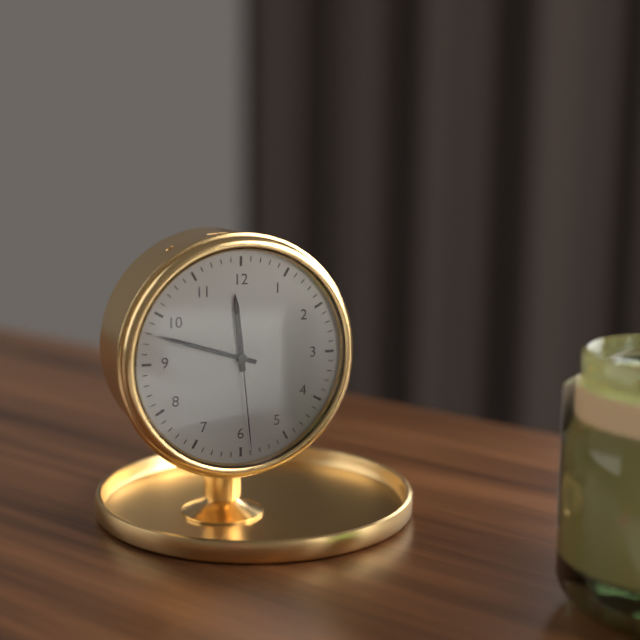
11.48.29
